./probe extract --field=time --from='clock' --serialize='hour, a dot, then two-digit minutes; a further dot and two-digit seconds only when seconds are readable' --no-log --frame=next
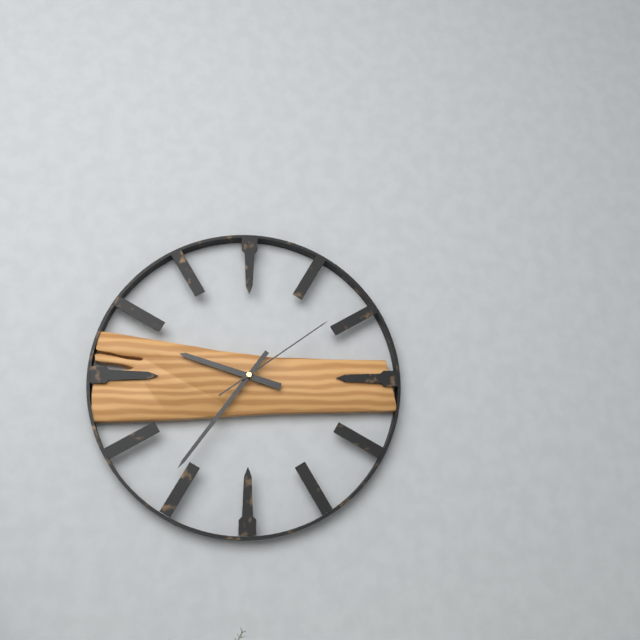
9.36.09
